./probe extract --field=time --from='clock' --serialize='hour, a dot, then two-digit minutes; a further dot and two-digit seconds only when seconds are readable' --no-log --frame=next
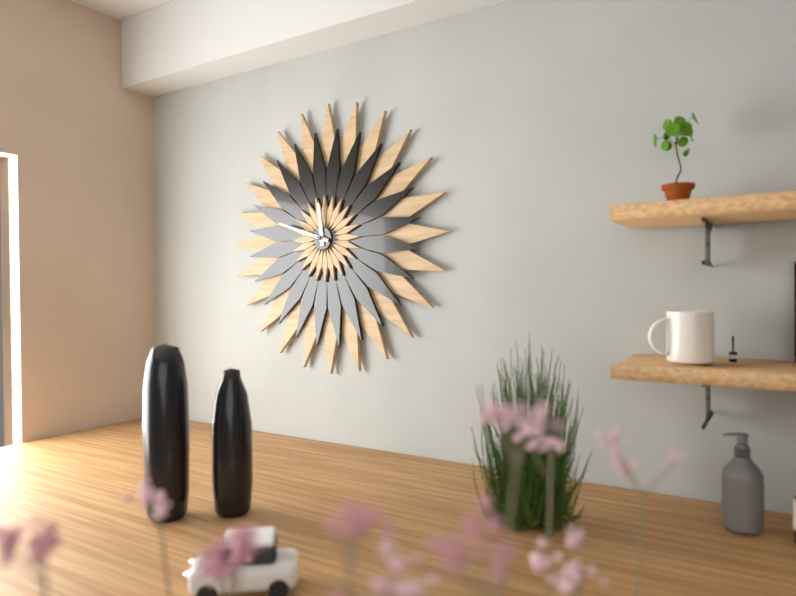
11.48
